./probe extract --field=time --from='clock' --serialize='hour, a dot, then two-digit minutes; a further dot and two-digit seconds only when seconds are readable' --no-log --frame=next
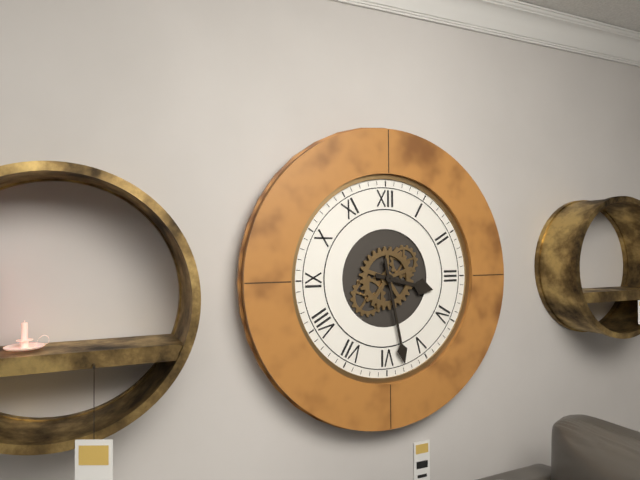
3.28
